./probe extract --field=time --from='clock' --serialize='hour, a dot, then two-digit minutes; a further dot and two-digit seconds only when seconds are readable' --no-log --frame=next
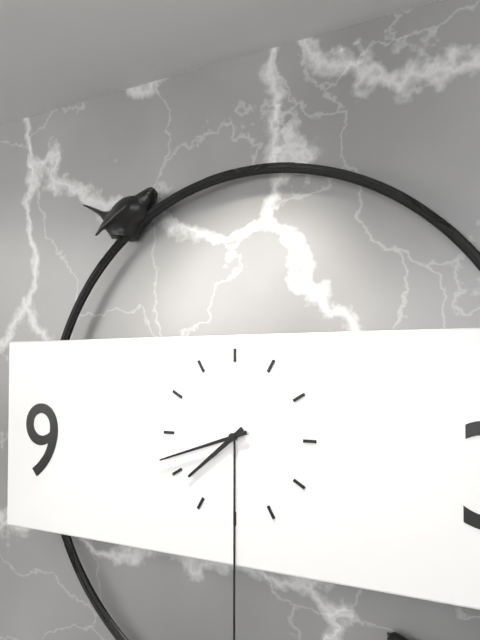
7.42
